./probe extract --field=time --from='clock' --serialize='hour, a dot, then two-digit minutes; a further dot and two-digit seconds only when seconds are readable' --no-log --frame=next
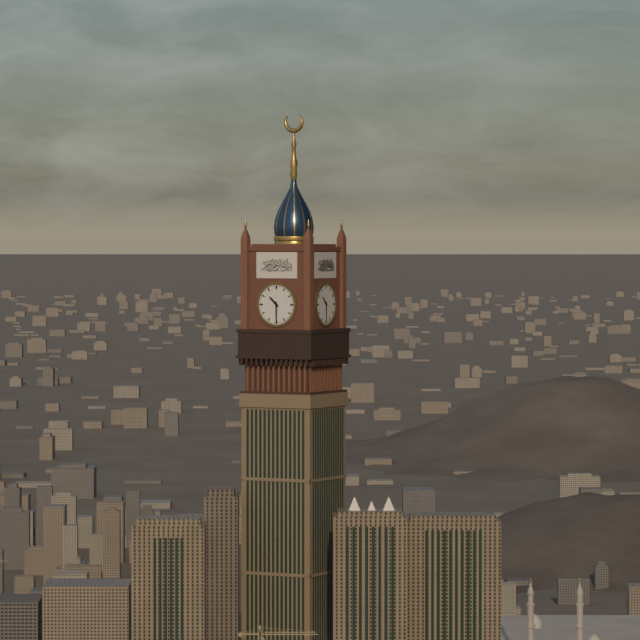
10.30
